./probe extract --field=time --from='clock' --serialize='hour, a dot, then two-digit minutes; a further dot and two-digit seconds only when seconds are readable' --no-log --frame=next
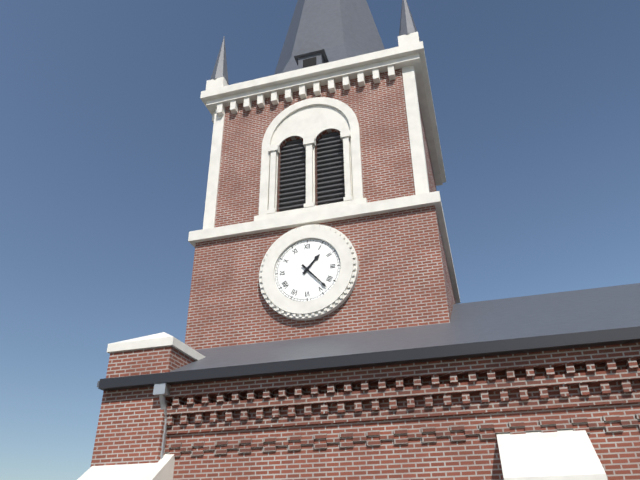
1.23
